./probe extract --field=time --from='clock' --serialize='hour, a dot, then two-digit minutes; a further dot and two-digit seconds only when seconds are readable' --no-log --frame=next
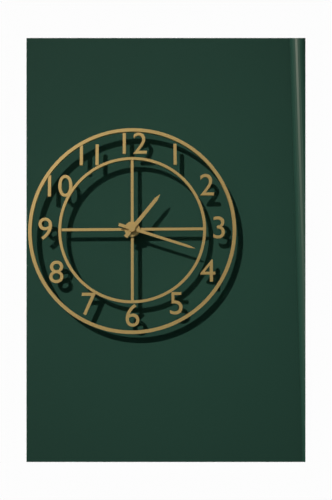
1.18
